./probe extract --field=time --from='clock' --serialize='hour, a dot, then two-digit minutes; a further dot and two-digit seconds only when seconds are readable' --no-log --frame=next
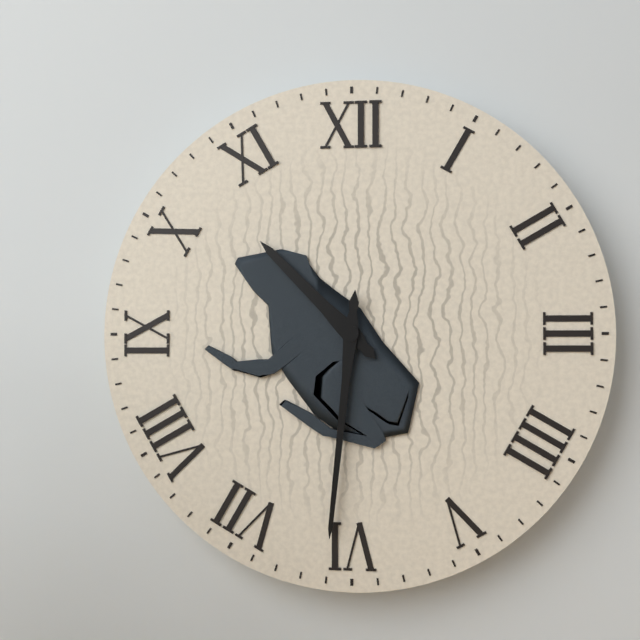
10.31
